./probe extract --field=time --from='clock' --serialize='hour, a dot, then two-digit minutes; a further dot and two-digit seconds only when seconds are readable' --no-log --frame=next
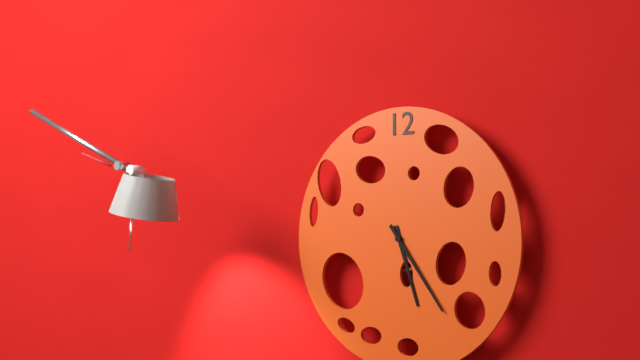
5.24
